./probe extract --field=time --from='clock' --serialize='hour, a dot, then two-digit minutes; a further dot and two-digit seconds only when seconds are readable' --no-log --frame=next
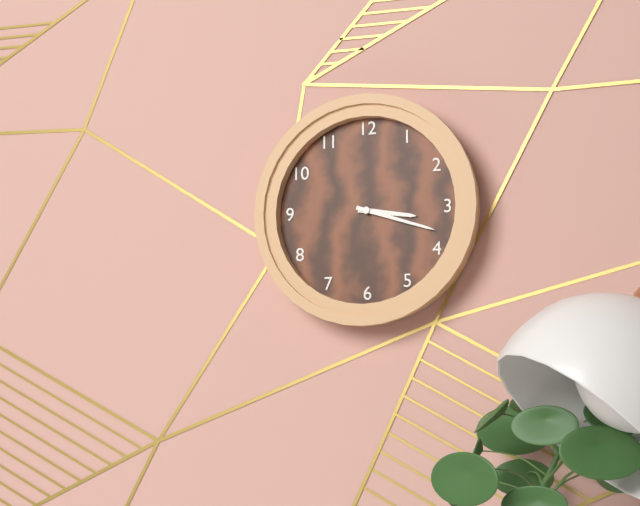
3.18
